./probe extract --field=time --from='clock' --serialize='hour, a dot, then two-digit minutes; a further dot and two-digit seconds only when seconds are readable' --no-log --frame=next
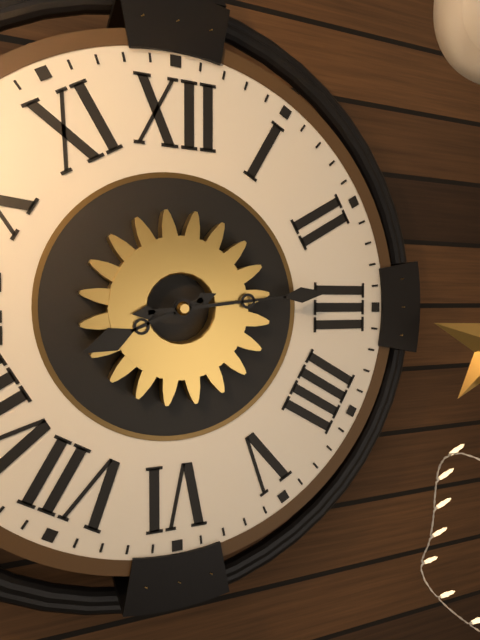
8.14
